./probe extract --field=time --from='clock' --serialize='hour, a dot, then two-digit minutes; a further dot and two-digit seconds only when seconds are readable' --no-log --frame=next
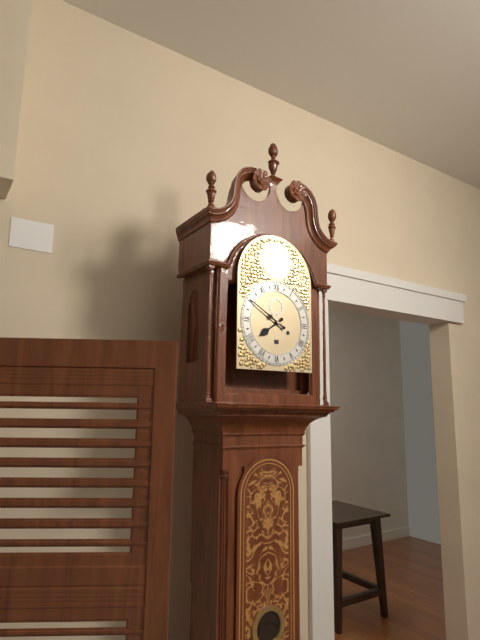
7.50
